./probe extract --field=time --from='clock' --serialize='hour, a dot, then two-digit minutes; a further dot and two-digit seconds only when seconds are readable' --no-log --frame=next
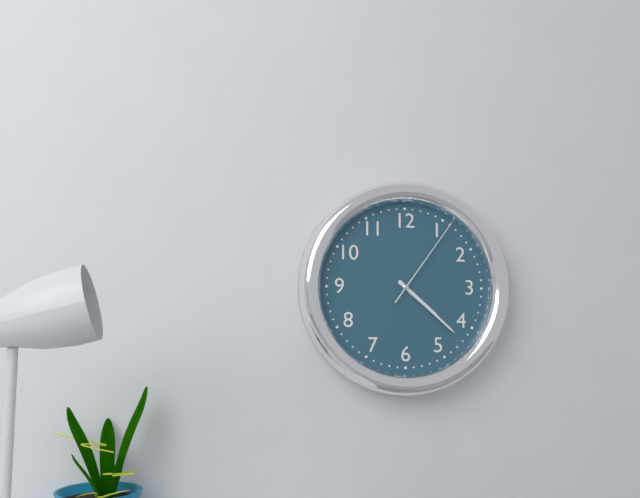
4.22.06
